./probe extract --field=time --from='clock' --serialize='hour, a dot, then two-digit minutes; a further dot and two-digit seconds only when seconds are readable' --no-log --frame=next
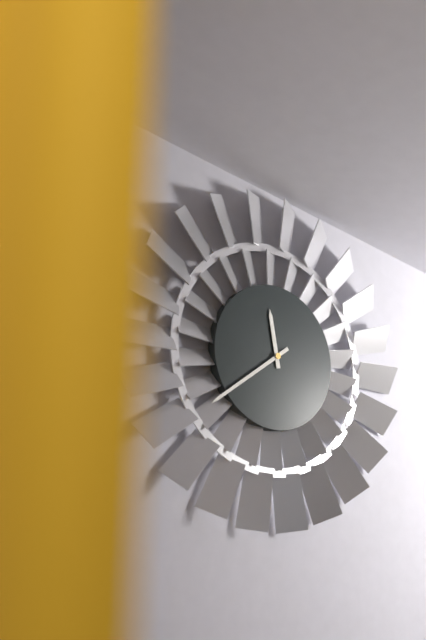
11.39
